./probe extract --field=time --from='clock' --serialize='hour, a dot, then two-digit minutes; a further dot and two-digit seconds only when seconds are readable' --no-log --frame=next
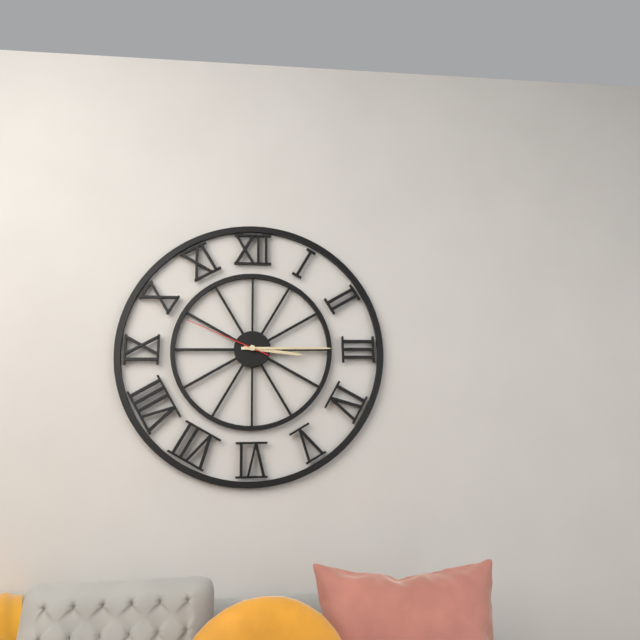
3.15.49
